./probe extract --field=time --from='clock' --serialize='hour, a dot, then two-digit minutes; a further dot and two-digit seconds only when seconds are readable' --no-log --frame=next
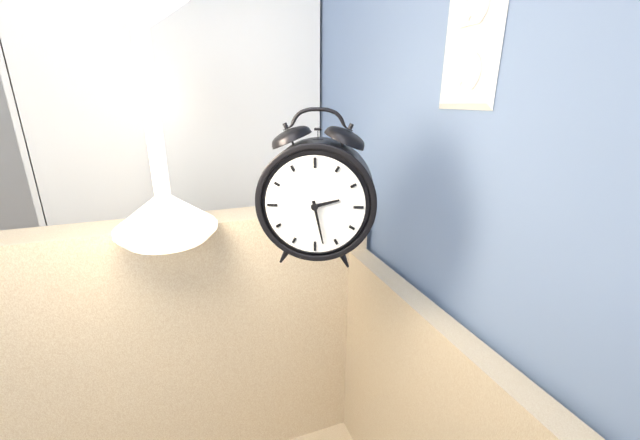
2.28
